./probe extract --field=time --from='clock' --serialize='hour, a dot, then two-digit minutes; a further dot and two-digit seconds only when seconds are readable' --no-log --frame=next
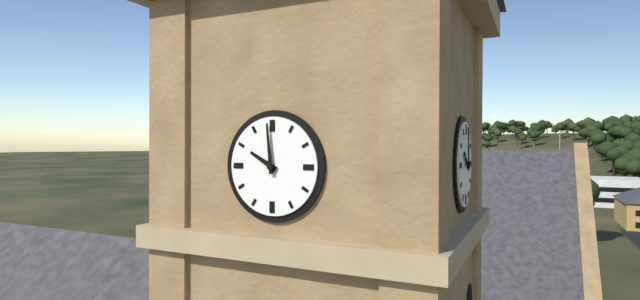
9.59
